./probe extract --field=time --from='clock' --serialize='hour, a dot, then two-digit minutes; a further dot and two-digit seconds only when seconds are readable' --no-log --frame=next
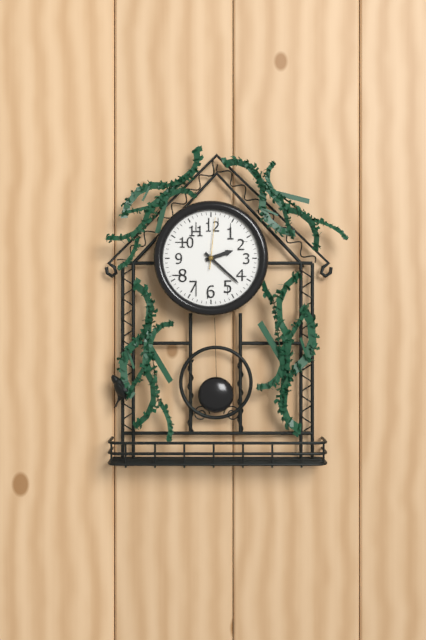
2.22.01
